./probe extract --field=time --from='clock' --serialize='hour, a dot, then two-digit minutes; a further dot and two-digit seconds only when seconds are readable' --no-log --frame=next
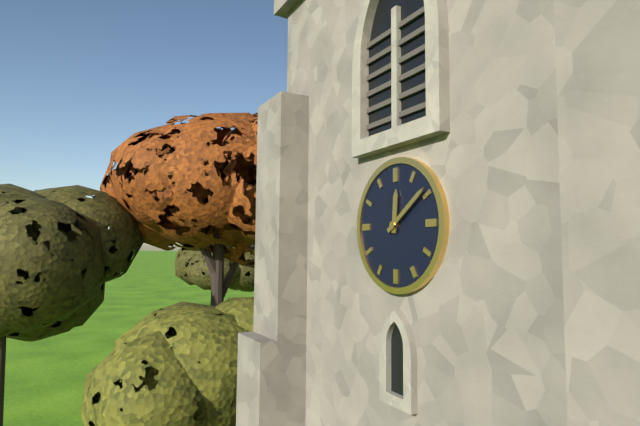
12.09
